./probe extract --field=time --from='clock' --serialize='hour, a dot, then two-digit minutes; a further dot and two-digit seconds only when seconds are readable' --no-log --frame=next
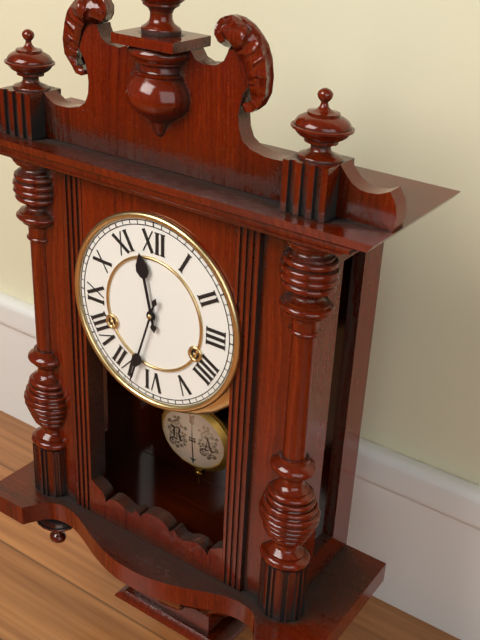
11.33
